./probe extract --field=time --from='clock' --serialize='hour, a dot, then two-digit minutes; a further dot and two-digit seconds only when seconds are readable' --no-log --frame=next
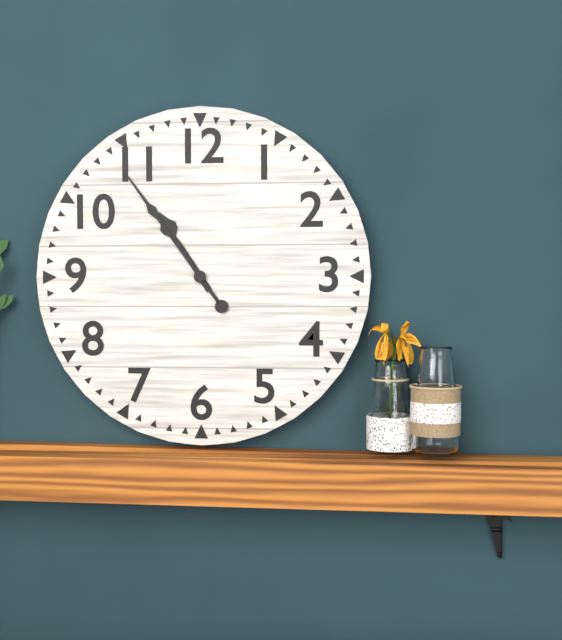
10.54
